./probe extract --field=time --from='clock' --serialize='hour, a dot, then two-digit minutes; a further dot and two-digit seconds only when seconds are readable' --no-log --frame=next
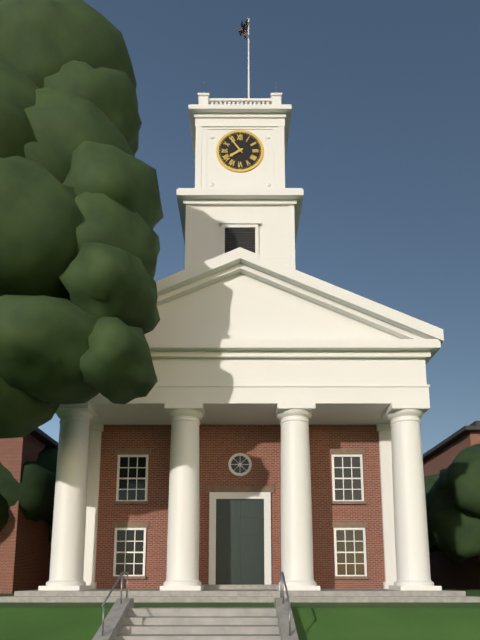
7.54
